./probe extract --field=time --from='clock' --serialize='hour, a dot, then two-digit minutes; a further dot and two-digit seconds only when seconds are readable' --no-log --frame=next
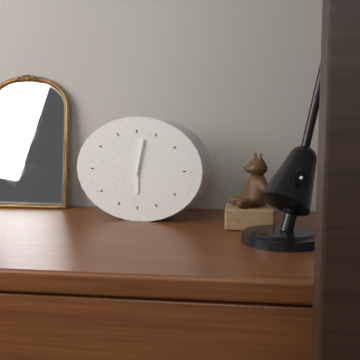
6.02
